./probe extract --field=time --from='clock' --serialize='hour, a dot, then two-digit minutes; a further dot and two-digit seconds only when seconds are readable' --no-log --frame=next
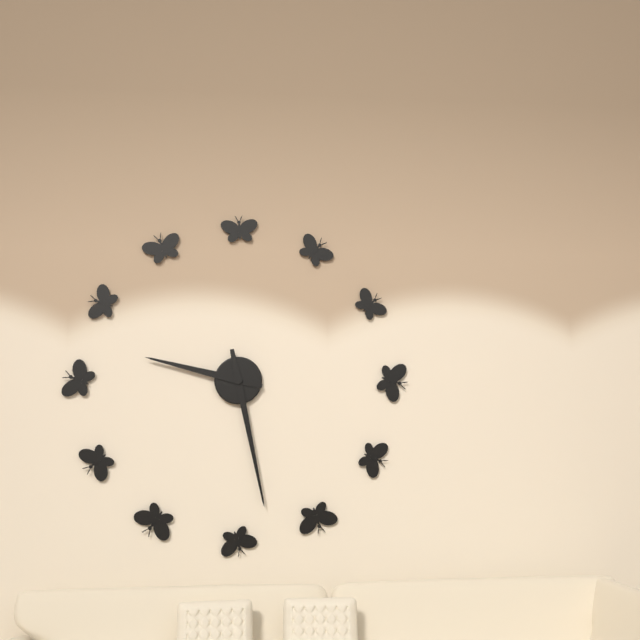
9.28
